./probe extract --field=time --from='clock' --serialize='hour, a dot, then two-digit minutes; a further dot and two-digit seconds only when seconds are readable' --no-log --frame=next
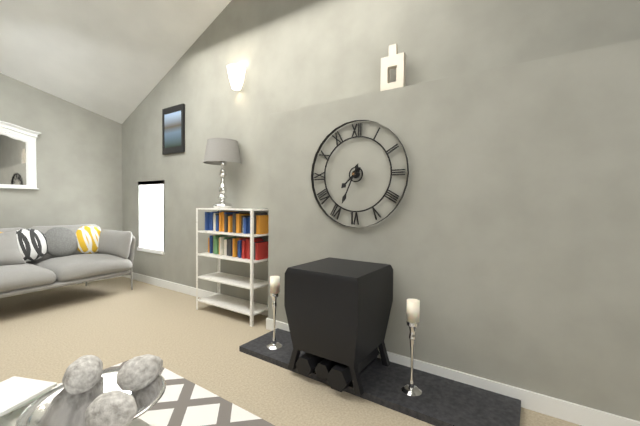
7.34
